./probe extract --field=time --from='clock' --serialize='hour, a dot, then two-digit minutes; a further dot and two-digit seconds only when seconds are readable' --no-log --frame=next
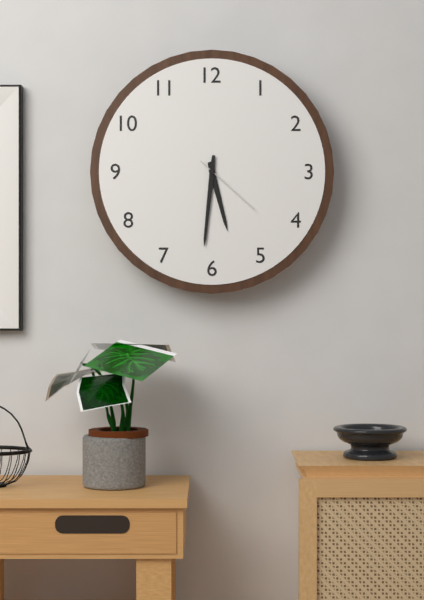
5.31.22
